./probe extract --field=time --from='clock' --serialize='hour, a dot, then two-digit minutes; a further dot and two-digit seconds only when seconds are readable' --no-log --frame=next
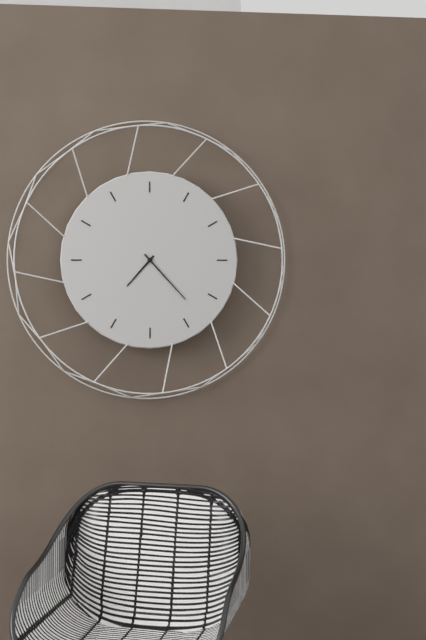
7.23
